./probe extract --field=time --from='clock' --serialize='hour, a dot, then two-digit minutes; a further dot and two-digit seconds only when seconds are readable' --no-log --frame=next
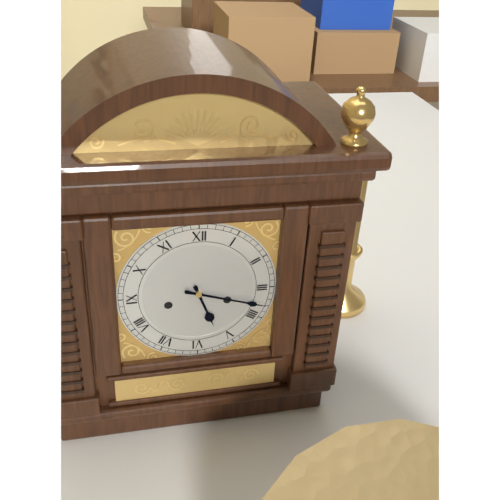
5.18
